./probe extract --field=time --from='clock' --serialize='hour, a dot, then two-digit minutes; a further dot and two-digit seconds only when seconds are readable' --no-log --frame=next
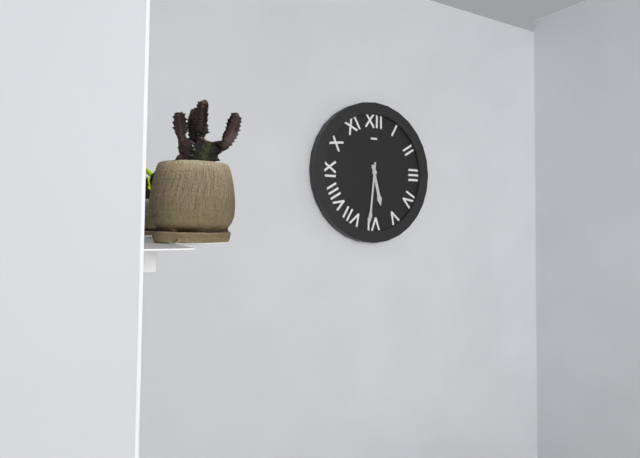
5.31
